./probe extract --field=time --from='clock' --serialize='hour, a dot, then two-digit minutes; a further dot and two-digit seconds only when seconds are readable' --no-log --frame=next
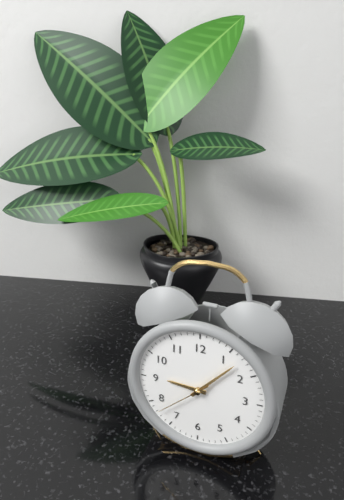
9.07.38
